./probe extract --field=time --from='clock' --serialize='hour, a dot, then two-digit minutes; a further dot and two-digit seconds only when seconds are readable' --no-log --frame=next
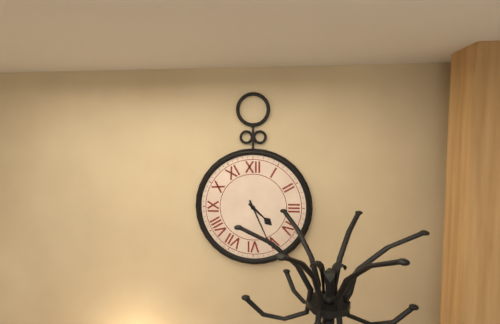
4.26
